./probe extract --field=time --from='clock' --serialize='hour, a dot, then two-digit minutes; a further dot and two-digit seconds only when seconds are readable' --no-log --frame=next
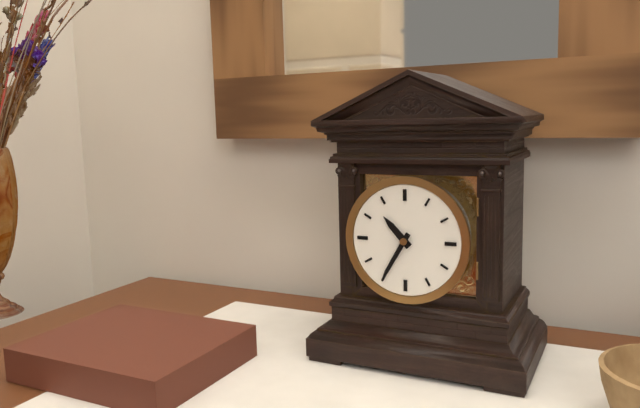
10.35
